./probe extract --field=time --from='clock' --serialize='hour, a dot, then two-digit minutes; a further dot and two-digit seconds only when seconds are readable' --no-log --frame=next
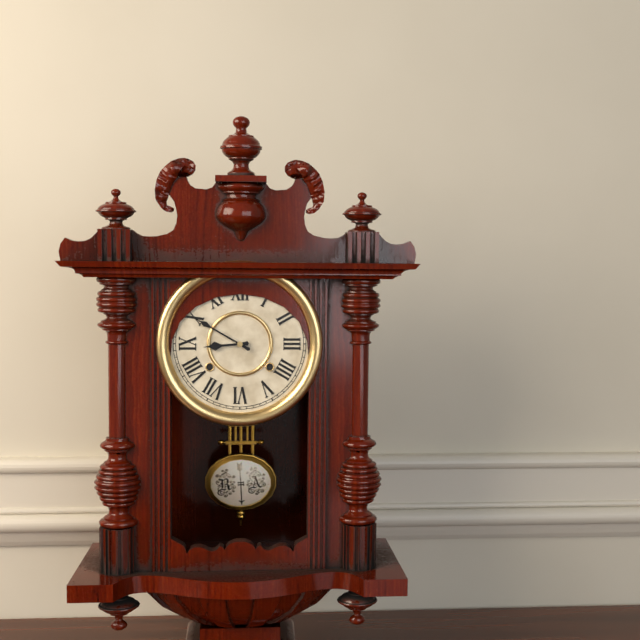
8.50
